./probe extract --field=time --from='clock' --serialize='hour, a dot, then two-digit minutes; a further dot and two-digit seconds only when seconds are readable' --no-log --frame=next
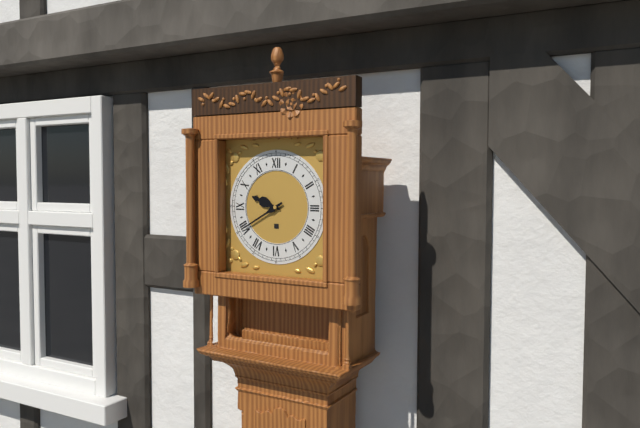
9.40
